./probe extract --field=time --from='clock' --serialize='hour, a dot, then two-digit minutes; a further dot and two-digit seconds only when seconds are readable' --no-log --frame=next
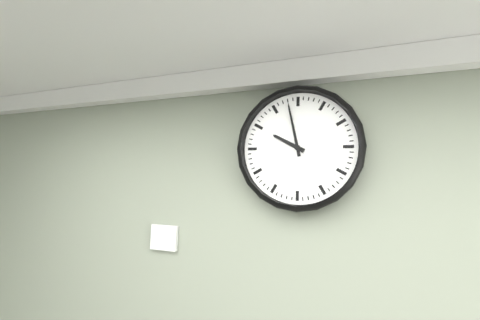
9.58
